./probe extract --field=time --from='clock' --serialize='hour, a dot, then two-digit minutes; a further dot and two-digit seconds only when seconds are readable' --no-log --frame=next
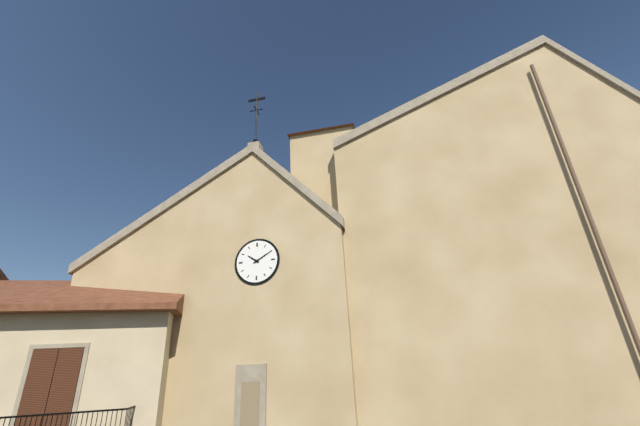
10.10
